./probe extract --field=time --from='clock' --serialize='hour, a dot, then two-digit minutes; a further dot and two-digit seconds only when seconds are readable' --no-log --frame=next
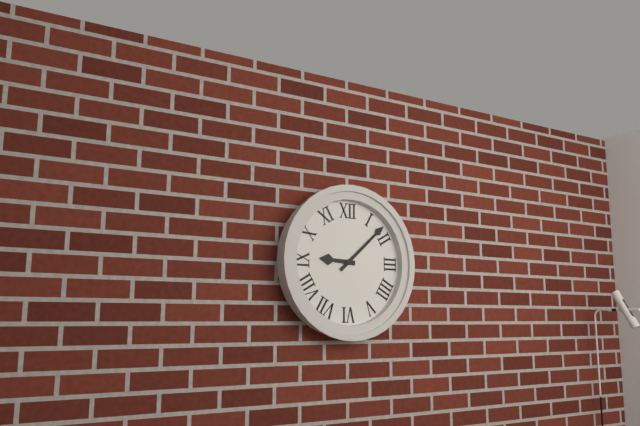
9.08
